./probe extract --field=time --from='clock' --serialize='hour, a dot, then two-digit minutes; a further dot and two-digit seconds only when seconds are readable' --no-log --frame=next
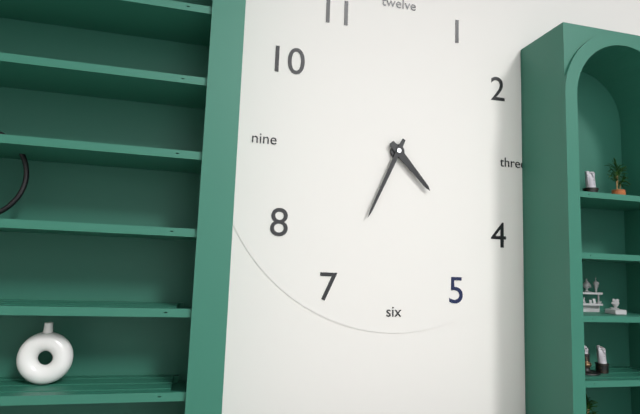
4.34
